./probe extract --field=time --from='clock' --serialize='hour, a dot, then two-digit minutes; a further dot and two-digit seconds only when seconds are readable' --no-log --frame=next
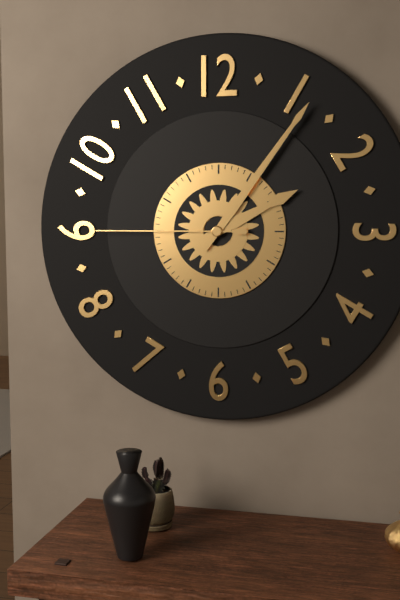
2.06.45
